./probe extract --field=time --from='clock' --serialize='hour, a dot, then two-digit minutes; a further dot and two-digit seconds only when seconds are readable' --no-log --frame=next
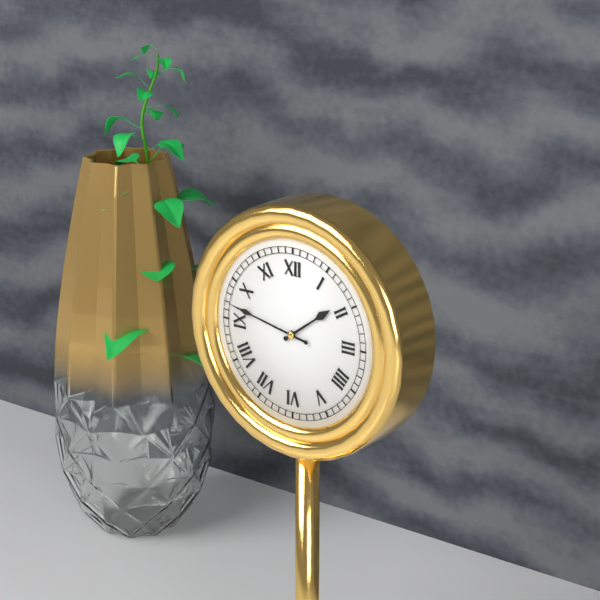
1.47
